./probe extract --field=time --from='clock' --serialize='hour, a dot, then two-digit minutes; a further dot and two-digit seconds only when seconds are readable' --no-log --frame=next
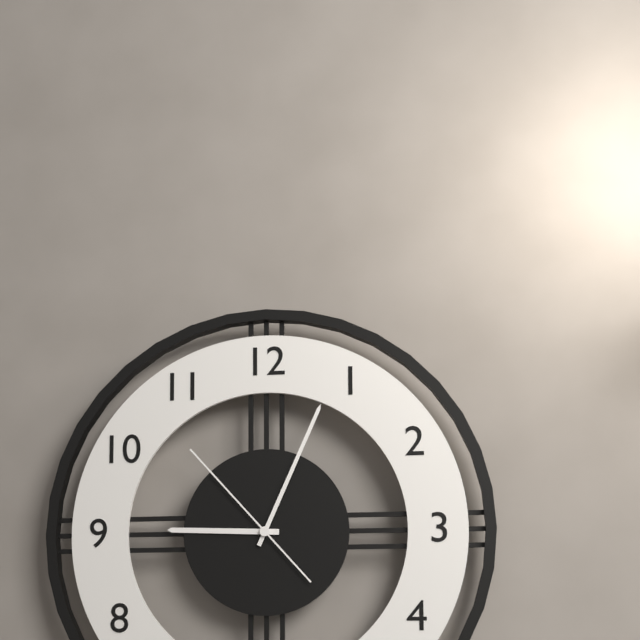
9.04.53
